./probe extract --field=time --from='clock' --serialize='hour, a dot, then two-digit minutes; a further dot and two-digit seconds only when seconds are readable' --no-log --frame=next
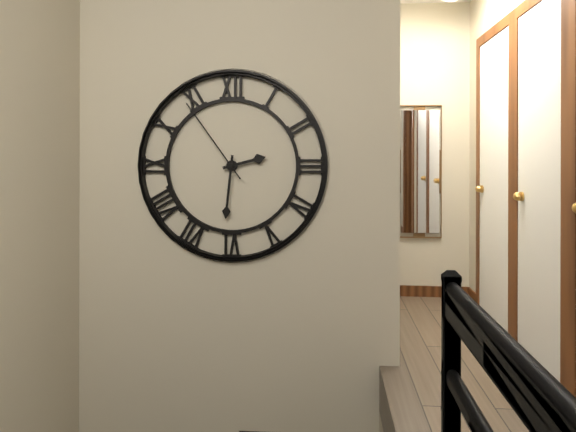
2.31.54
